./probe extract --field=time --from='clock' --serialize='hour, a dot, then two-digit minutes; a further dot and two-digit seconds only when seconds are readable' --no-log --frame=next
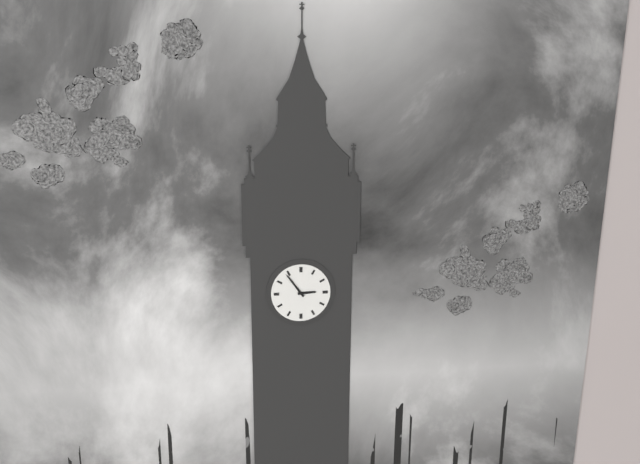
2.54
